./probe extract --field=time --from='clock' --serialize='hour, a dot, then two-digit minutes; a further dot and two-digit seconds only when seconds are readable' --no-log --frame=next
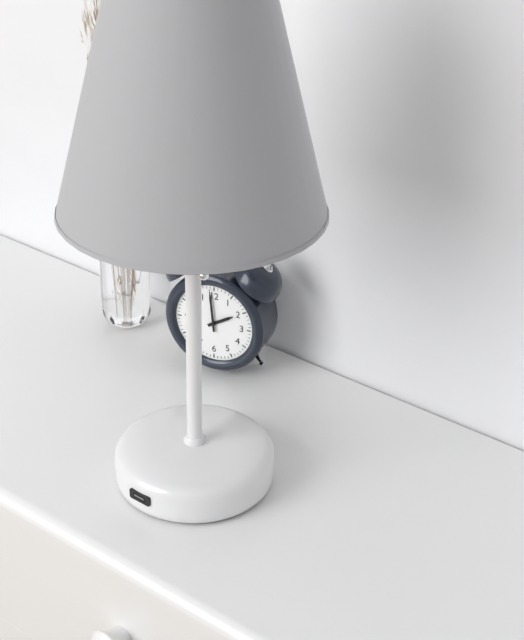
1.59
